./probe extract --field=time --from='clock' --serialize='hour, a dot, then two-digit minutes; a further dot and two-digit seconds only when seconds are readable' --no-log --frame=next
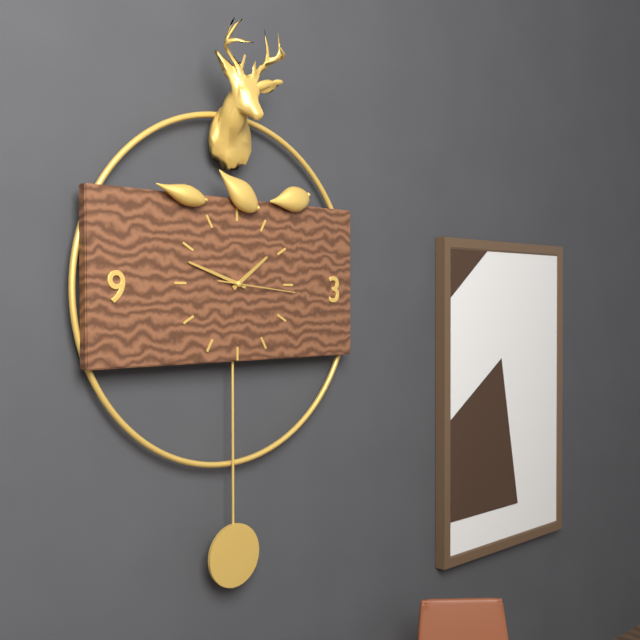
1.48.16
